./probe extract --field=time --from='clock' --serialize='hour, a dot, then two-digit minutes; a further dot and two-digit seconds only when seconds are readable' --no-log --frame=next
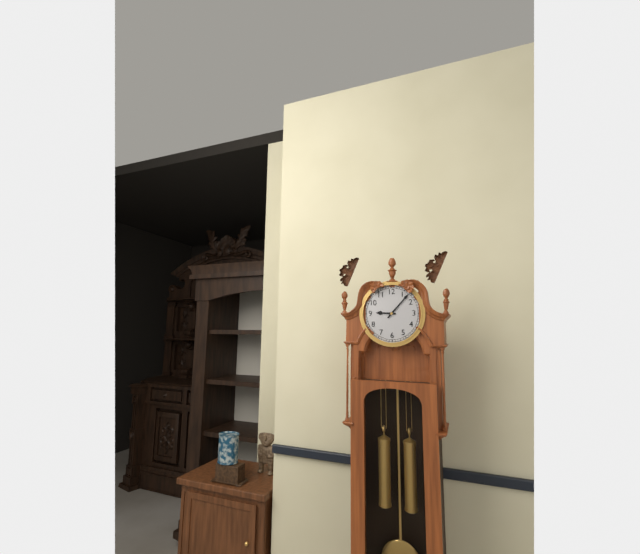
9.07
